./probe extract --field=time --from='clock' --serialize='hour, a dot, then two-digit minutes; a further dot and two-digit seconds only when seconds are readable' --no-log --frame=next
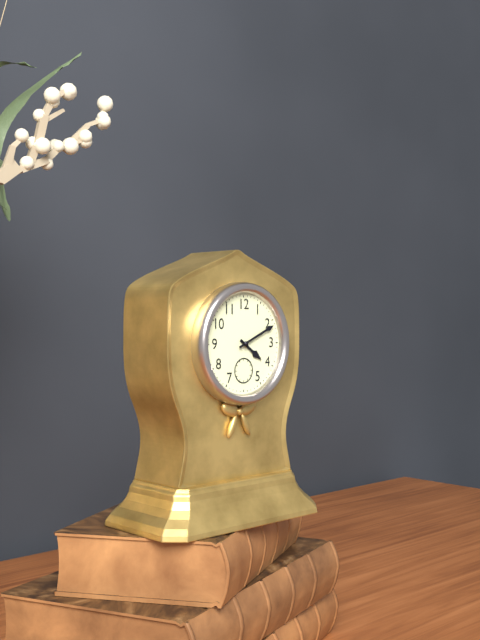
4.11
